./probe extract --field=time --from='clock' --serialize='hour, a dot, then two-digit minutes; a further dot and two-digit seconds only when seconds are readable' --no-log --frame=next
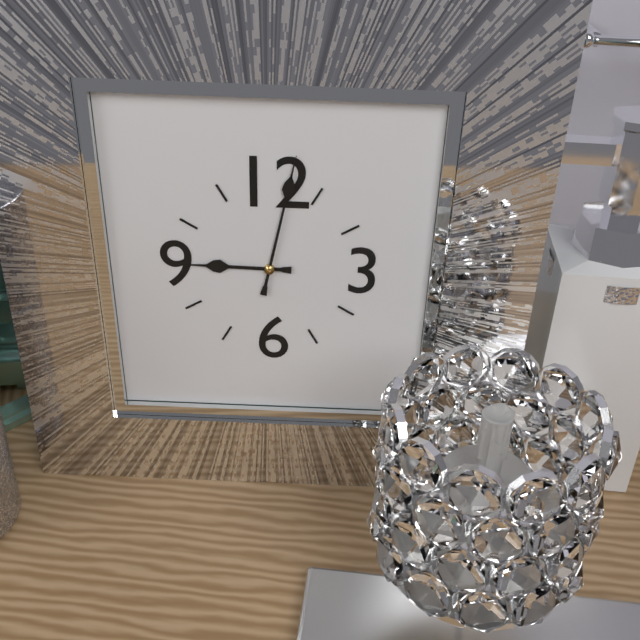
9.02
